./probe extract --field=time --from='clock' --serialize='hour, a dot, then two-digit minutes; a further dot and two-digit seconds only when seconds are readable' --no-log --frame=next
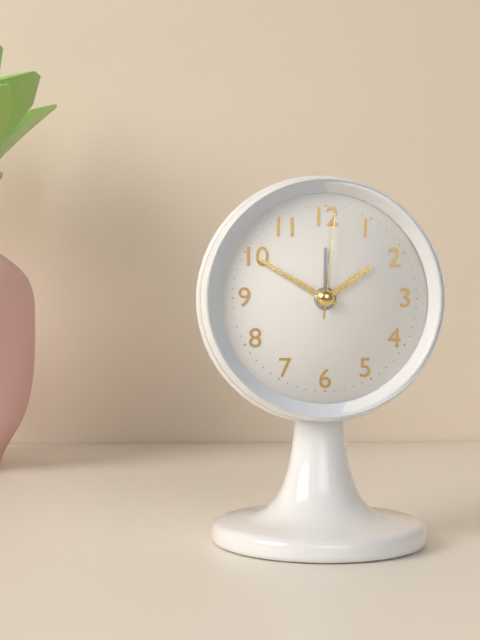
1.50.01
